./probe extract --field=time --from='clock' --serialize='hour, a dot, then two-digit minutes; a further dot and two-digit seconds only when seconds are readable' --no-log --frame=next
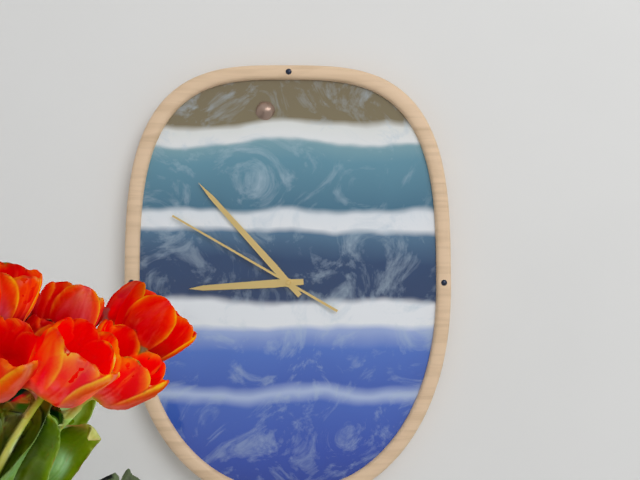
8.53.50
